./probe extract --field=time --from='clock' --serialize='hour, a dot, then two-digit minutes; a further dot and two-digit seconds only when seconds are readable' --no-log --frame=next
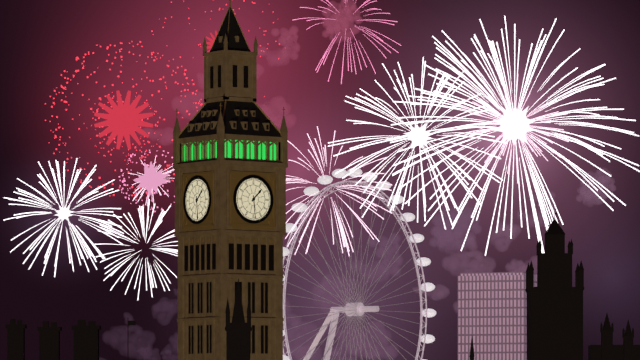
1.29
